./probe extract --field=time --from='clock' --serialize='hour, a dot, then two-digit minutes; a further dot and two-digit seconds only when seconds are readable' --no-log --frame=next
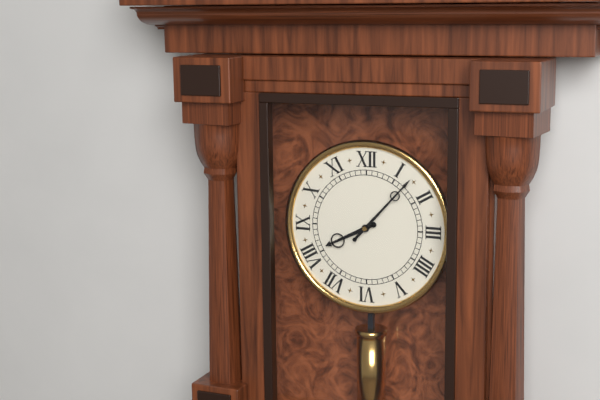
8.07
